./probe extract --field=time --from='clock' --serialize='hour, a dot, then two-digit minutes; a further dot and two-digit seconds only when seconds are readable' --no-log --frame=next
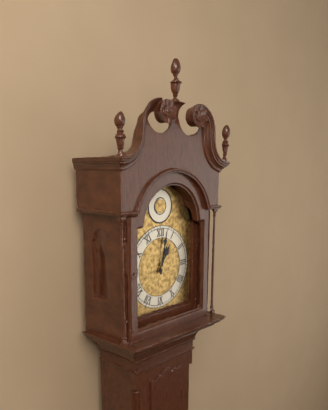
1.02
